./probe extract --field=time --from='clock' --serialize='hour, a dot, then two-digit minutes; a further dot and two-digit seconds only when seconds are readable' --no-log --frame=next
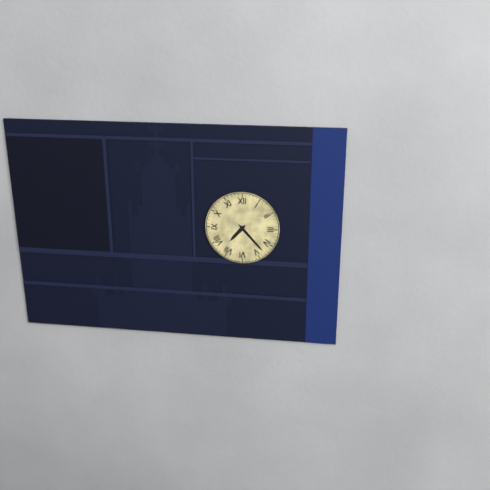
7.23
